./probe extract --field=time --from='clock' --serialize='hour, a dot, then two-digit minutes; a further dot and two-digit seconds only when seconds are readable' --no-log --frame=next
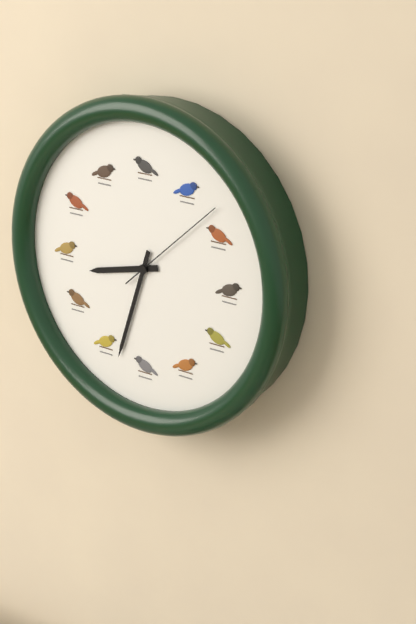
8.33.08
